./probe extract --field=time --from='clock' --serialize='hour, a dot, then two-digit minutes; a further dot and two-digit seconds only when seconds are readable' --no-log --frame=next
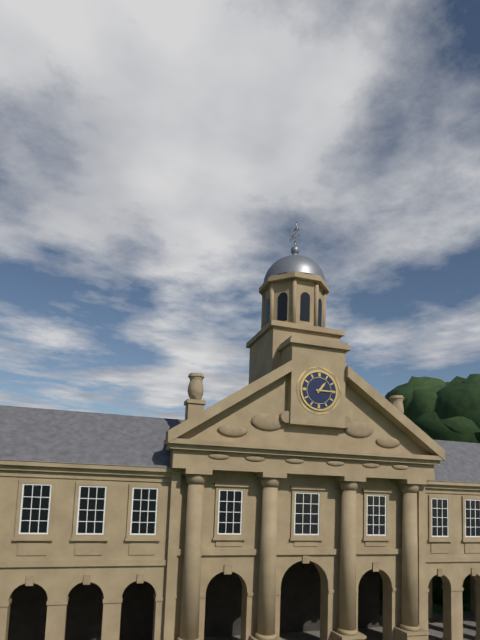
1.15
